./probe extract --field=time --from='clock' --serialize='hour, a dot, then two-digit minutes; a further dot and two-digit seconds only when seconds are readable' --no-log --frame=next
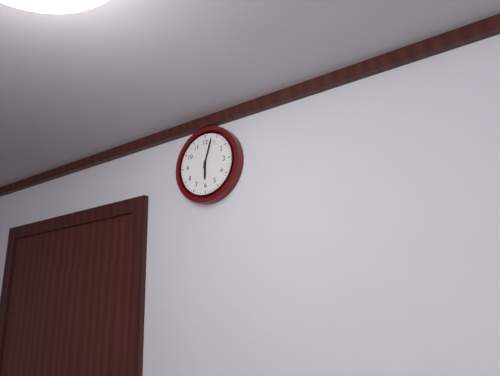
6.03
